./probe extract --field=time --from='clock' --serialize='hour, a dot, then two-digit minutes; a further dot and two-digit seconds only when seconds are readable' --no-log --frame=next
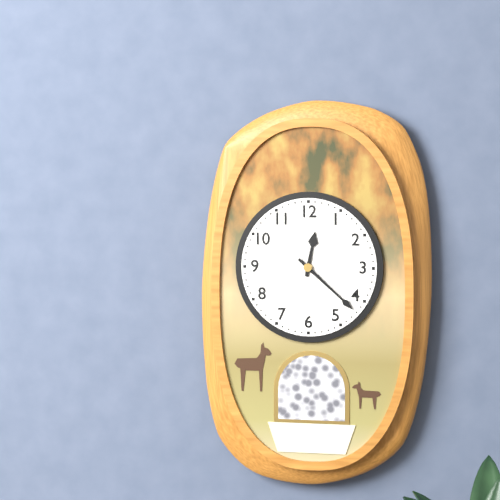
12.22
